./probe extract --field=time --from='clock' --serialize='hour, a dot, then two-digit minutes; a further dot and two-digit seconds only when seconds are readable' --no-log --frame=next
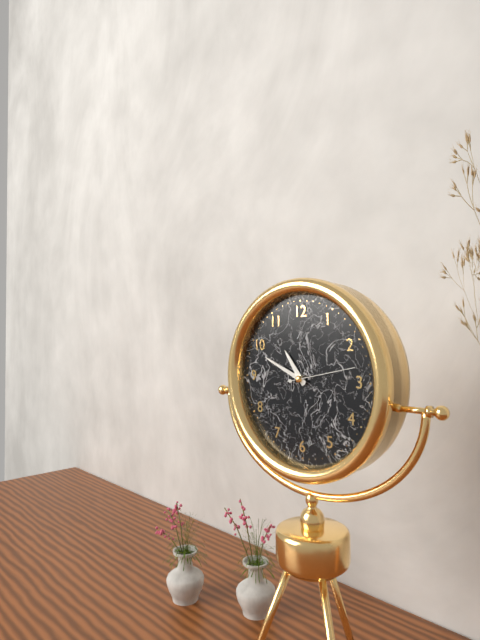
10.49.13
